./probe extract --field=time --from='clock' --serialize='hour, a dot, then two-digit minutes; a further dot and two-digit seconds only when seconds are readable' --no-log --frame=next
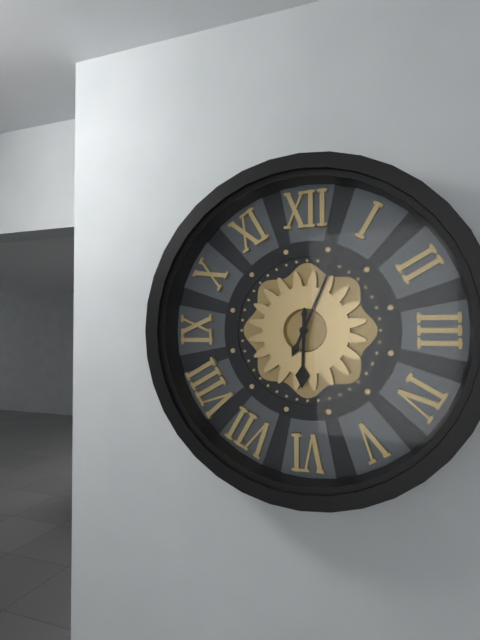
6.04
